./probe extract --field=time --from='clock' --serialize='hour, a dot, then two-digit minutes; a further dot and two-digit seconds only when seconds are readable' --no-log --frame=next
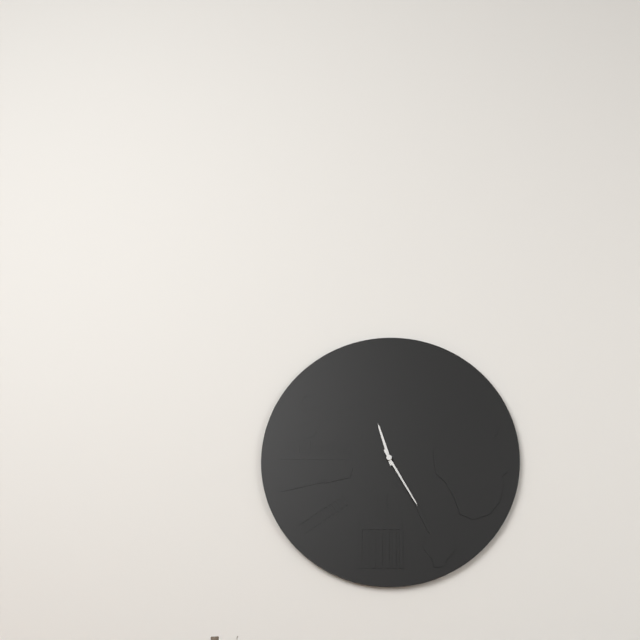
11.25
